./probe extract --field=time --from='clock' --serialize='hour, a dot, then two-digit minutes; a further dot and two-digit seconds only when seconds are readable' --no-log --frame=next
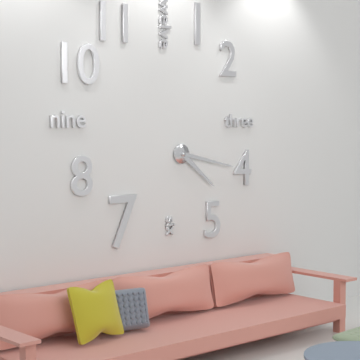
4.17
